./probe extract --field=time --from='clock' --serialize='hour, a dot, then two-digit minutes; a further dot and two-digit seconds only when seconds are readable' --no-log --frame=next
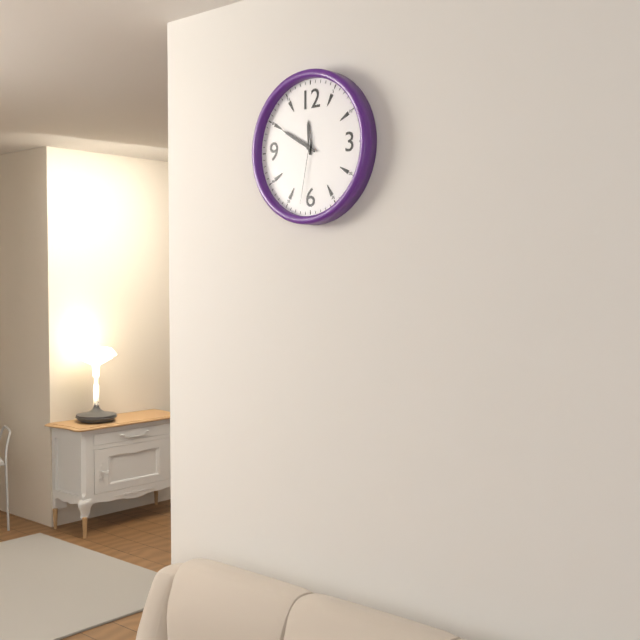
11.50.32
